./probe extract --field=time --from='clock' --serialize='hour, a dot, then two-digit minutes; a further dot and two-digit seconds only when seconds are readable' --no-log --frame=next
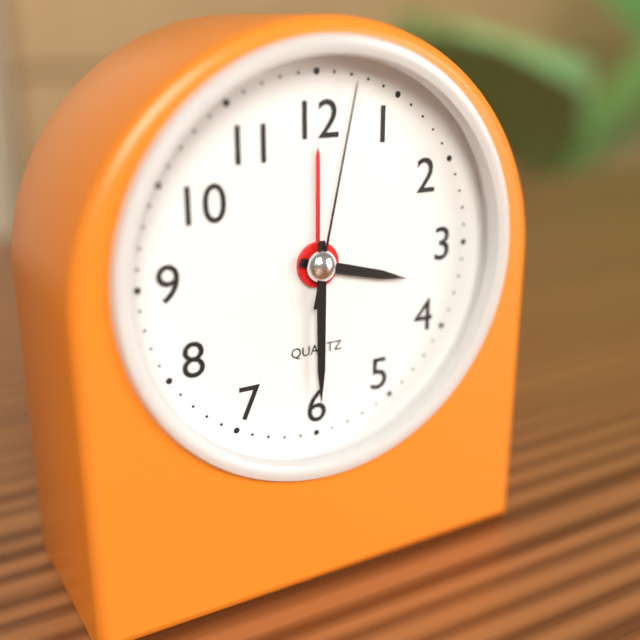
3.30.02
